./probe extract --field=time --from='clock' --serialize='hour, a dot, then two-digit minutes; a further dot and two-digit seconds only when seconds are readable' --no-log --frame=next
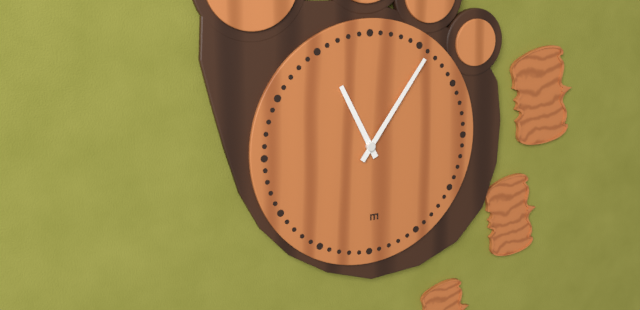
11.06
